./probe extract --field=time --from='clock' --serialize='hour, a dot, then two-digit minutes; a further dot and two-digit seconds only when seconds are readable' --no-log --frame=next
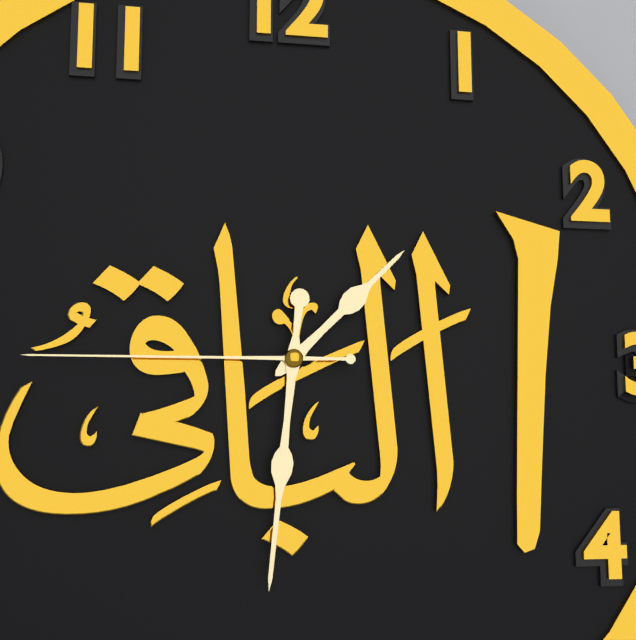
1.31.45
